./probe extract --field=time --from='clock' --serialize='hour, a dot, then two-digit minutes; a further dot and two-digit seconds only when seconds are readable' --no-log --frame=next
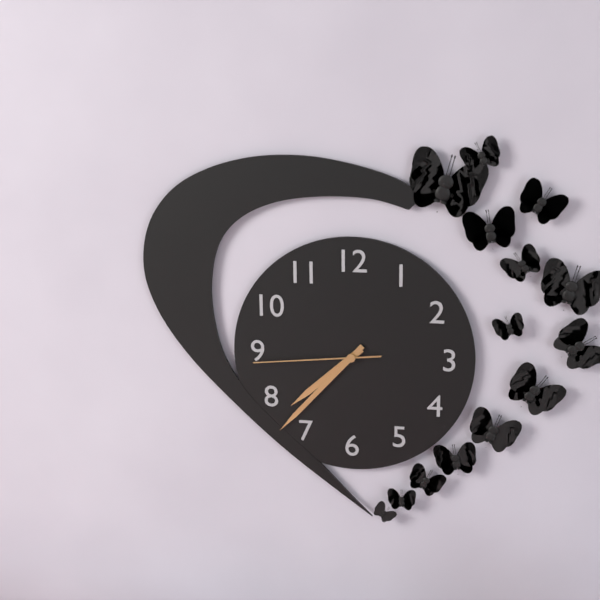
7.37.44
